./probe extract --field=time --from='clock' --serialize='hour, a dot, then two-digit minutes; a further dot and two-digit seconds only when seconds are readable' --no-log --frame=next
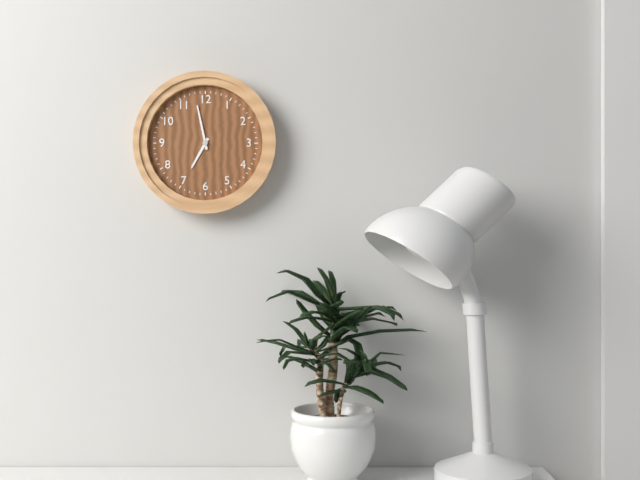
6.58
